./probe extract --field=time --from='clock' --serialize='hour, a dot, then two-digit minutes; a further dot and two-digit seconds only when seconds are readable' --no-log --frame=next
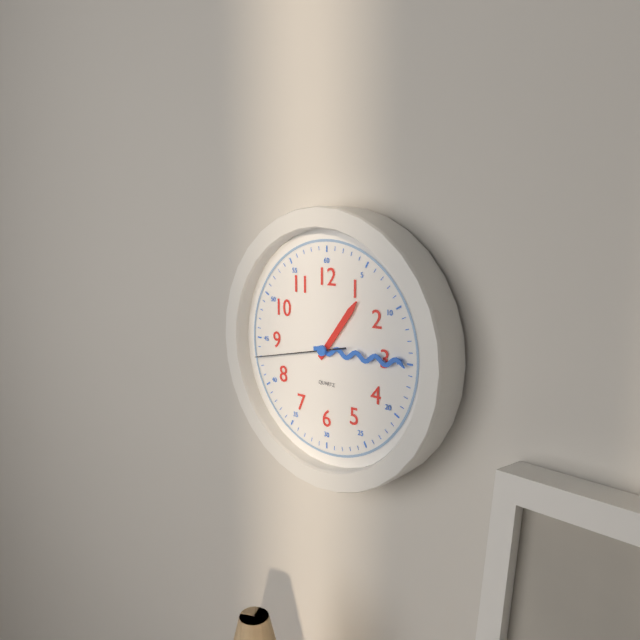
1.15.43
